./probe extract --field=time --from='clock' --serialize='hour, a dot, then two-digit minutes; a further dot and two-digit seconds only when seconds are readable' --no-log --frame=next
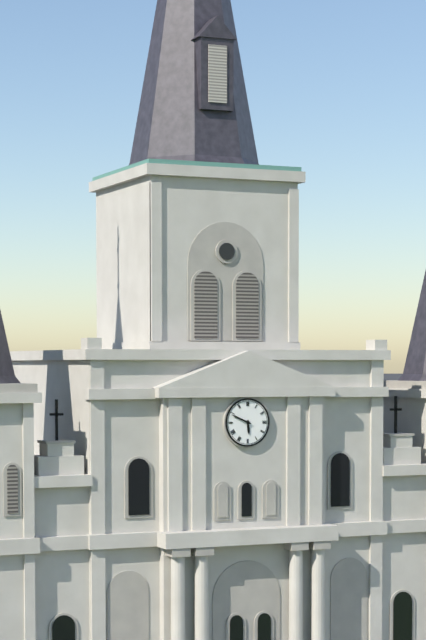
5.49
